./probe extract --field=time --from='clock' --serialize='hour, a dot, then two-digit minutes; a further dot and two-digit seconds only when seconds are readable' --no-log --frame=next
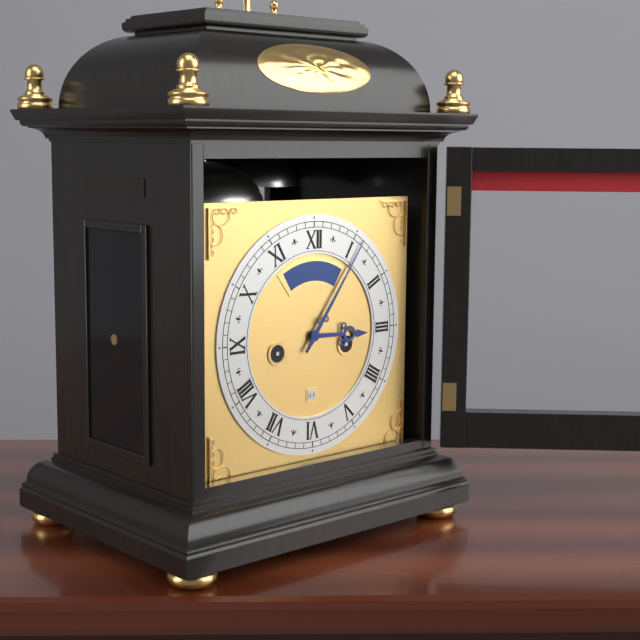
3.06
